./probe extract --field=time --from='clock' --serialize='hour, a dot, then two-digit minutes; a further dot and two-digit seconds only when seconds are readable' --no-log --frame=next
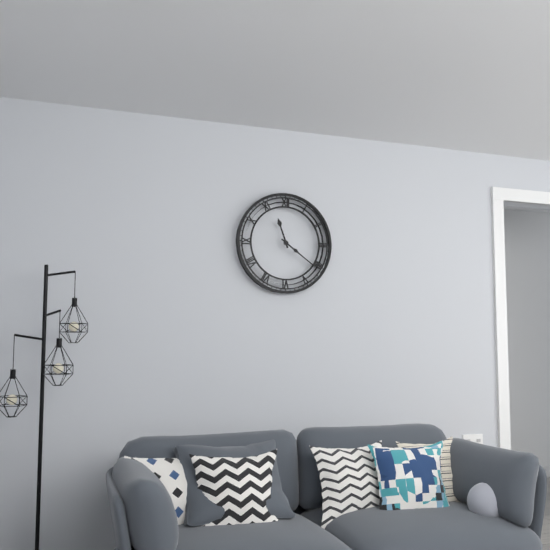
11.21
